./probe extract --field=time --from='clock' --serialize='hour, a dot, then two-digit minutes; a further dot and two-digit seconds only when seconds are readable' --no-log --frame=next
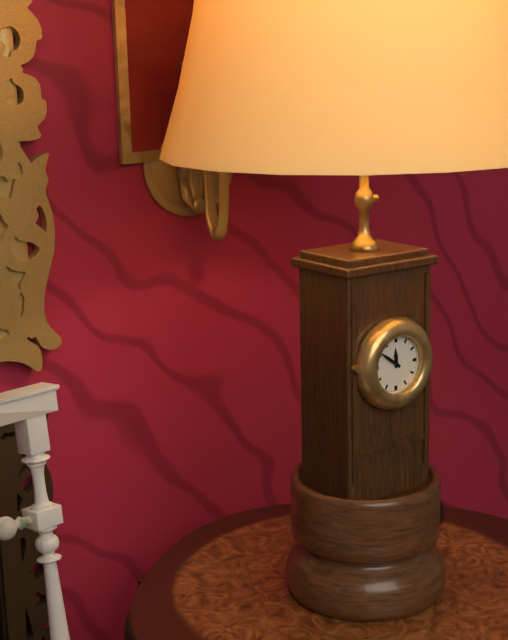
11.51
